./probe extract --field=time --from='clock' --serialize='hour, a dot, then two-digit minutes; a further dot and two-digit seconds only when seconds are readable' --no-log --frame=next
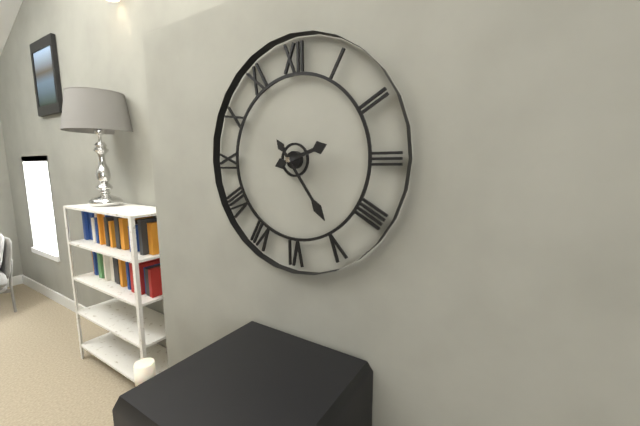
2.24
